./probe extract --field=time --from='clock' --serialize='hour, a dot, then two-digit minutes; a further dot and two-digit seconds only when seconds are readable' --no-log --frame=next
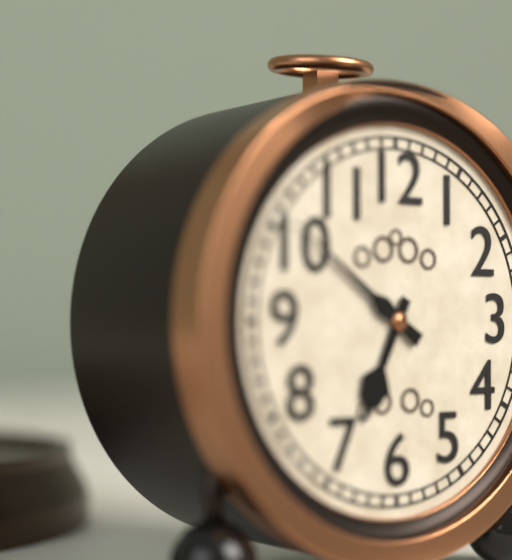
6.51
